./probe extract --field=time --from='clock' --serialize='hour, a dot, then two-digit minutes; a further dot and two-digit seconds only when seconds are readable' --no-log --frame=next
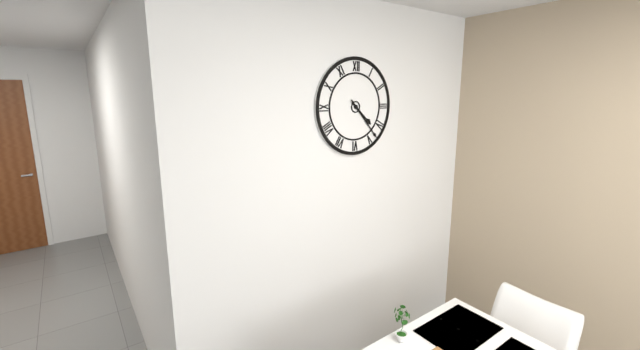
4.23
